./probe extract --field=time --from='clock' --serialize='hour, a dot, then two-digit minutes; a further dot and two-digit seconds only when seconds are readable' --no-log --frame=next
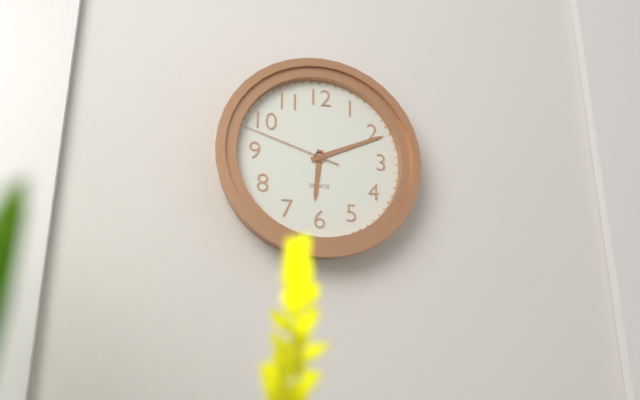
6.11.48
